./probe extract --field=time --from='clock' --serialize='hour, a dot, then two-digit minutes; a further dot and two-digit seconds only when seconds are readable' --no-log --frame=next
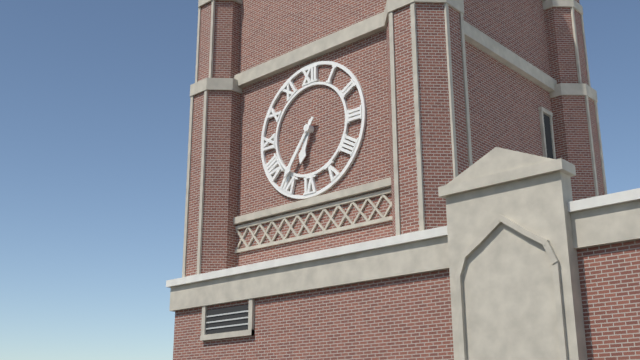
6.36
